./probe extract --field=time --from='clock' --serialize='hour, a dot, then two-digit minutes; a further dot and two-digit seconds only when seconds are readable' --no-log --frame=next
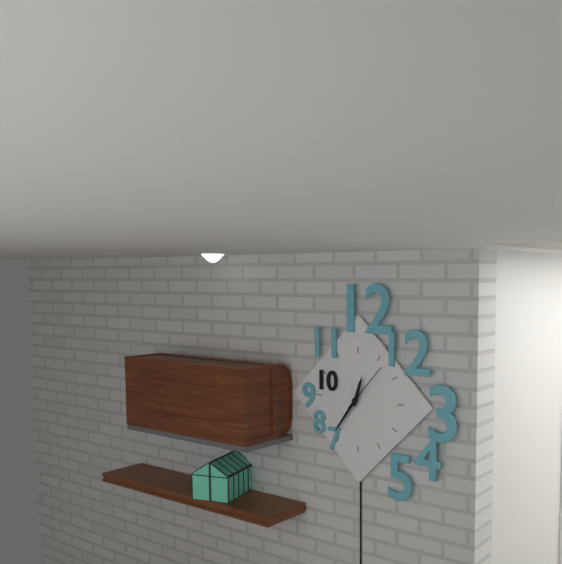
12.36
